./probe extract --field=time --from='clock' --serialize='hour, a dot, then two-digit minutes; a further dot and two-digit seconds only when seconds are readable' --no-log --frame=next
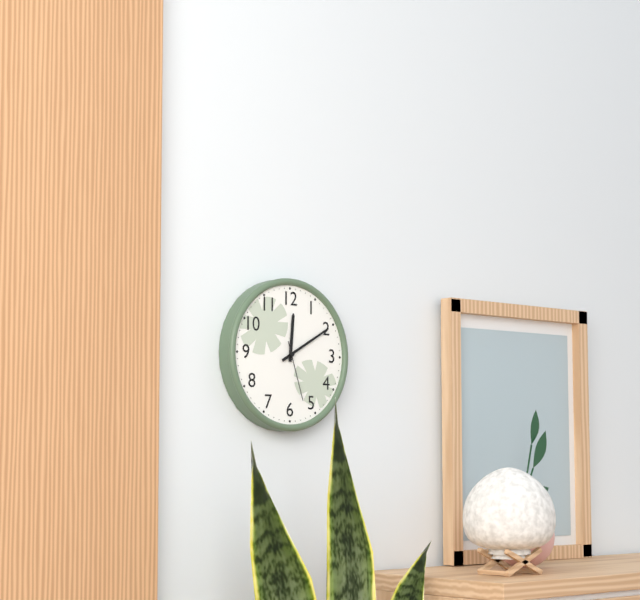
12.10.27
